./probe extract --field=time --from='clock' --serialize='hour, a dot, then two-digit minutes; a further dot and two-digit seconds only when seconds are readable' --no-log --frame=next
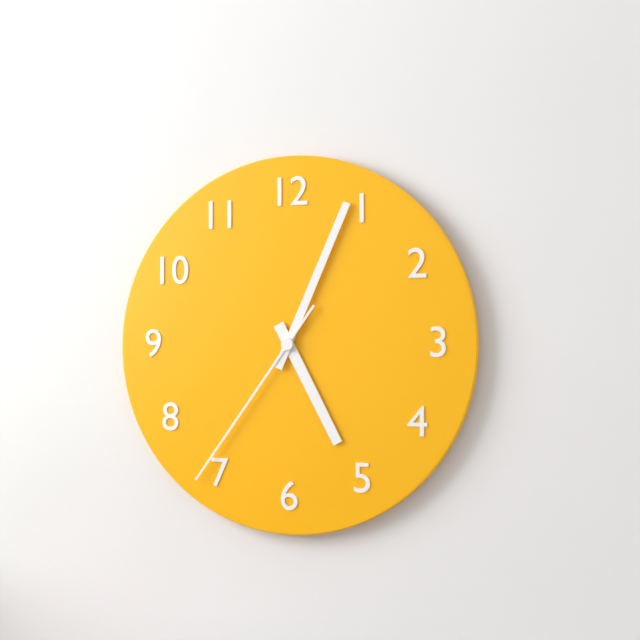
5.04.36
